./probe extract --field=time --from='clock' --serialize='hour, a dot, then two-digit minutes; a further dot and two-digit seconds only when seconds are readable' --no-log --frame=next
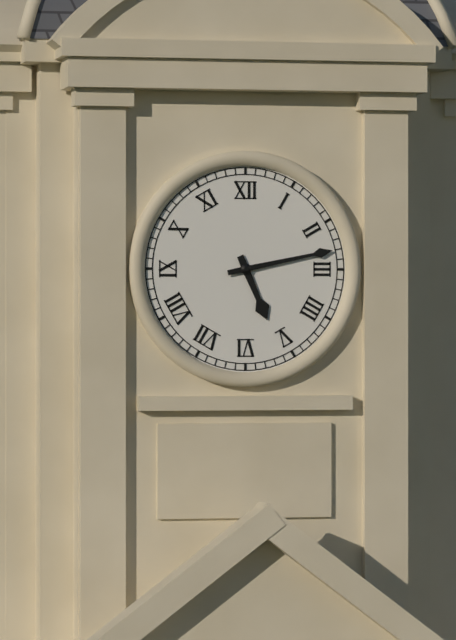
5.13
